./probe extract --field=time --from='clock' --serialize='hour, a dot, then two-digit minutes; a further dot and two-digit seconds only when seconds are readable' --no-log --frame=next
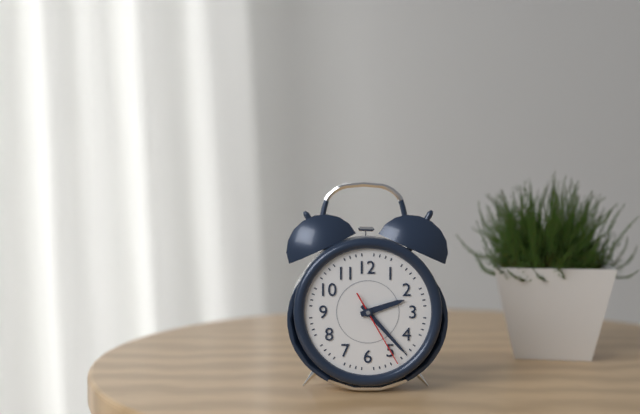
2.23.25
